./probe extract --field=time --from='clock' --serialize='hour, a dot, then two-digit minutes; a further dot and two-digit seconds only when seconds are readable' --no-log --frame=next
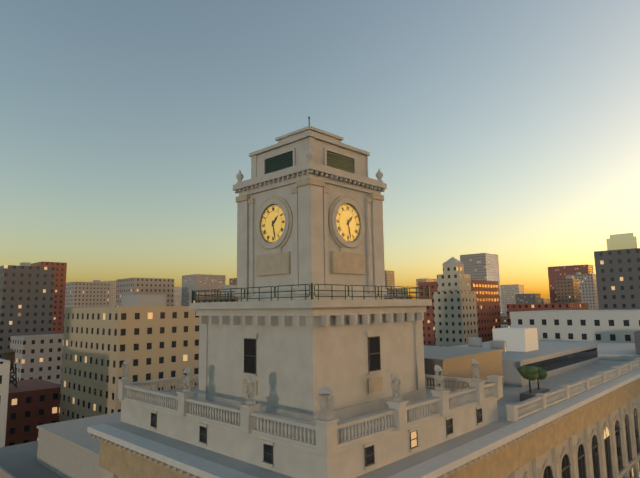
1.28
